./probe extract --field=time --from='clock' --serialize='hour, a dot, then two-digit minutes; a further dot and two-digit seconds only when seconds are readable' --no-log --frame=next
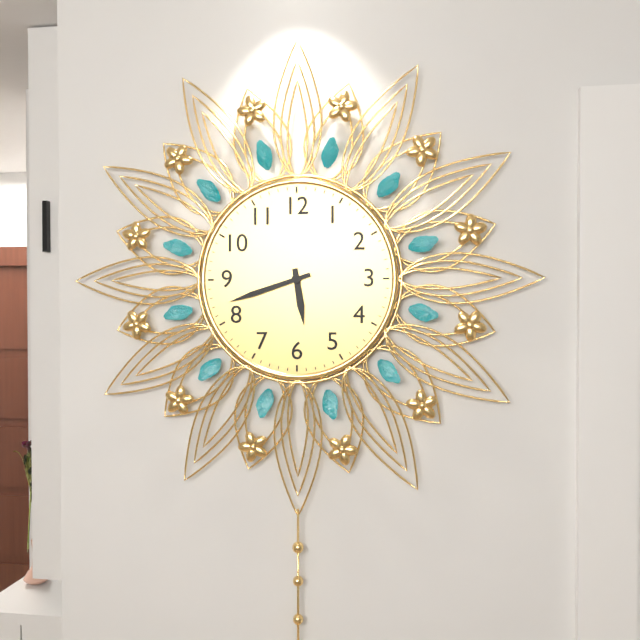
5.42
